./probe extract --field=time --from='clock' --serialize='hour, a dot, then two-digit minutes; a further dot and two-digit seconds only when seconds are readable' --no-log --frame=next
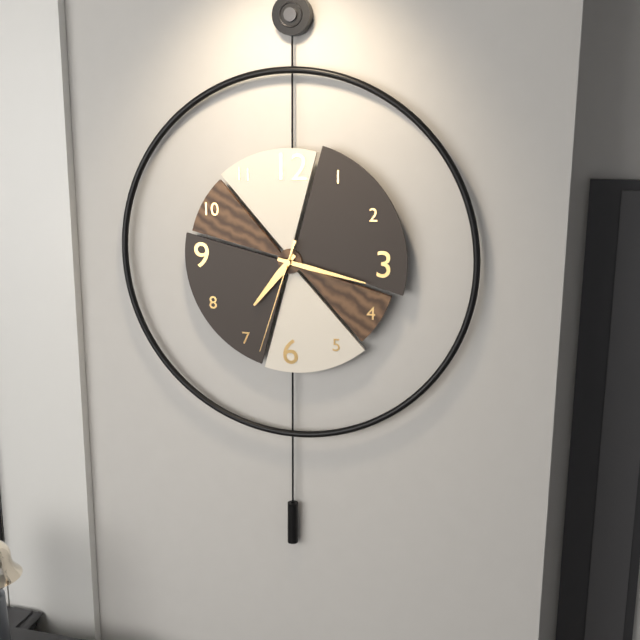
7.17.33
